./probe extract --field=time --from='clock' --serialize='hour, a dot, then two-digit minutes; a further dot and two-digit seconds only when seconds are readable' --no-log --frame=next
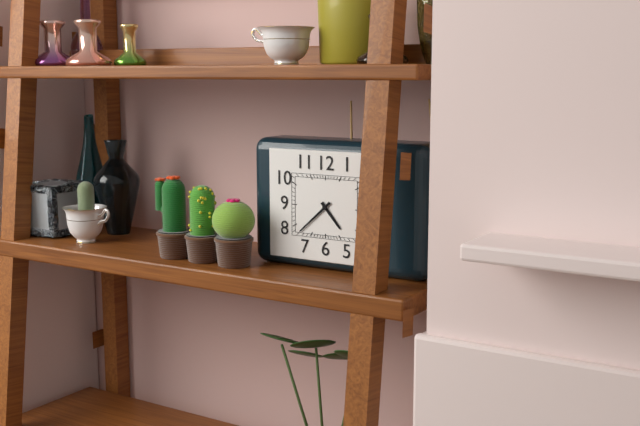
4.38
